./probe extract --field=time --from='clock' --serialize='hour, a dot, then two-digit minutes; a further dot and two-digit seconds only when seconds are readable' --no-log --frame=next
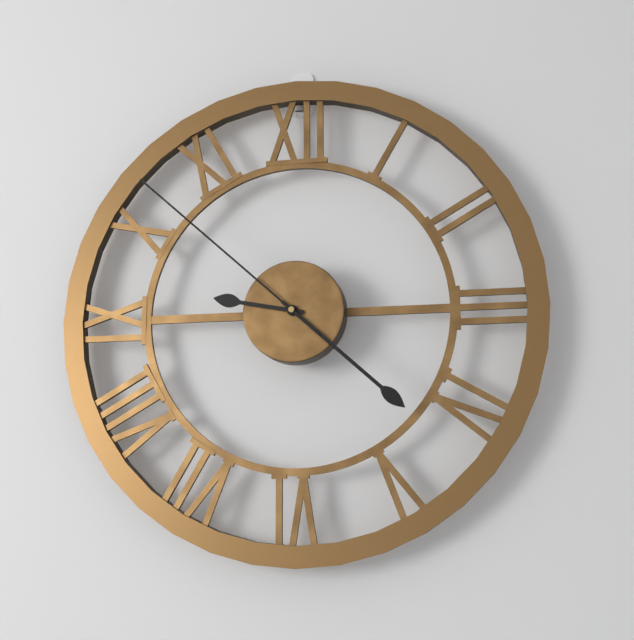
9.22.52
